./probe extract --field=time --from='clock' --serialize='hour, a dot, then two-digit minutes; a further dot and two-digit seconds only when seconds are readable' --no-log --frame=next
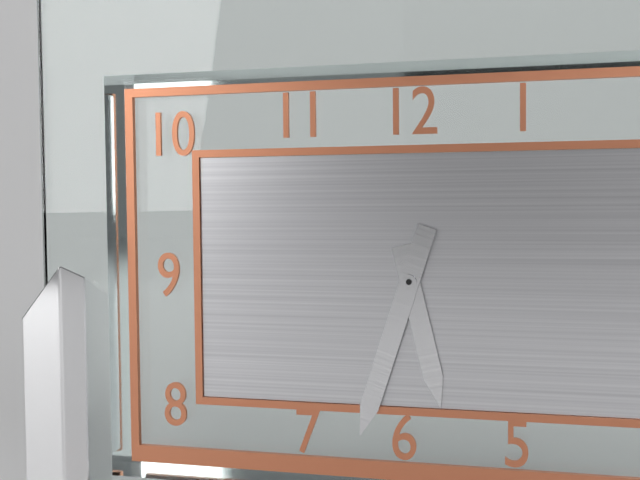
5.33
